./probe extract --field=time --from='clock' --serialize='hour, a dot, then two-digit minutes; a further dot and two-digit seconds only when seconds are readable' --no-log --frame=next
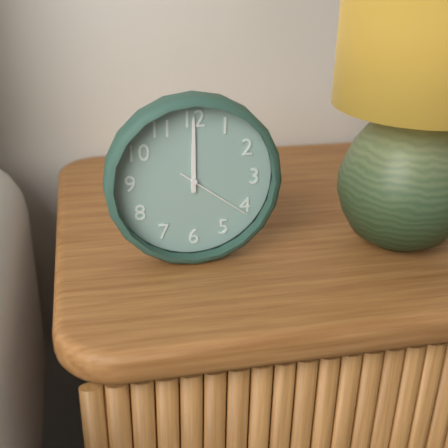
12.00.21
